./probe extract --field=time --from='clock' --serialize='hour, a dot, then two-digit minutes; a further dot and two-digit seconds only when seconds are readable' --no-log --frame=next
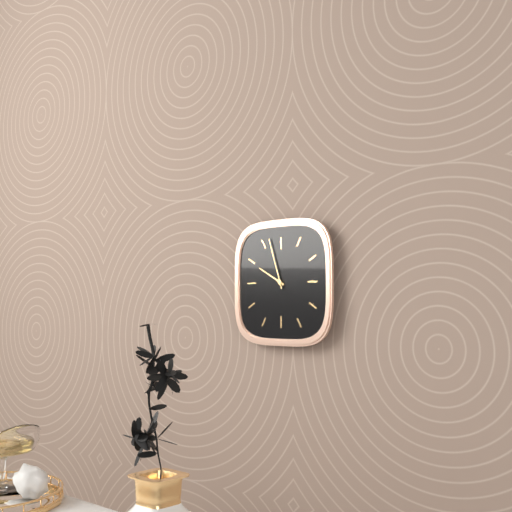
9.57
